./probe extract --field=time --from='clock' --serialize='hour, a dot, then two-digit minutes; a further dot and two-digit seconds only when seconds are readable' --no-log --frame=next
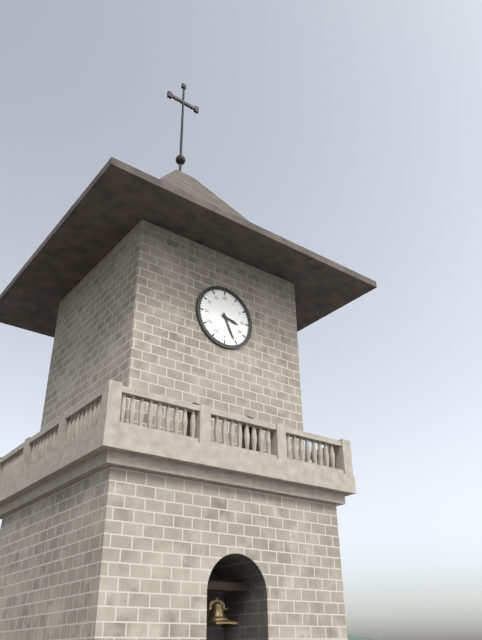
3.26
